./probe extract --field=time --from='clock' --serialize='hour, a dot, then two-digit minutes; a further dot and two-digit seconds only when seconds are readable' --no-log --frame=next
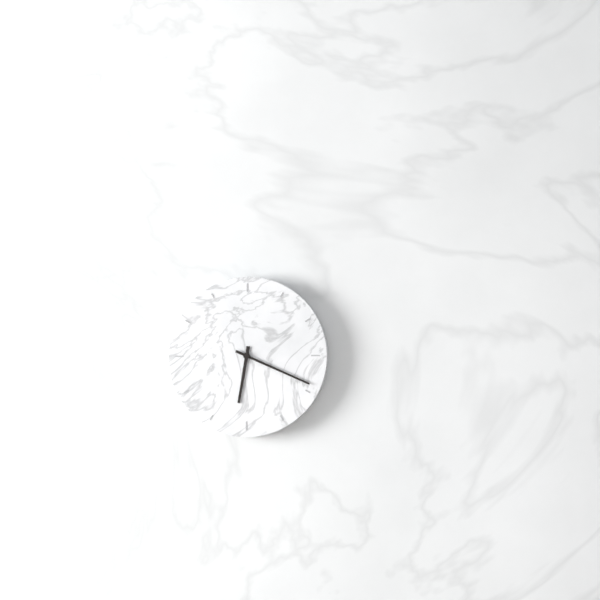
6.19
